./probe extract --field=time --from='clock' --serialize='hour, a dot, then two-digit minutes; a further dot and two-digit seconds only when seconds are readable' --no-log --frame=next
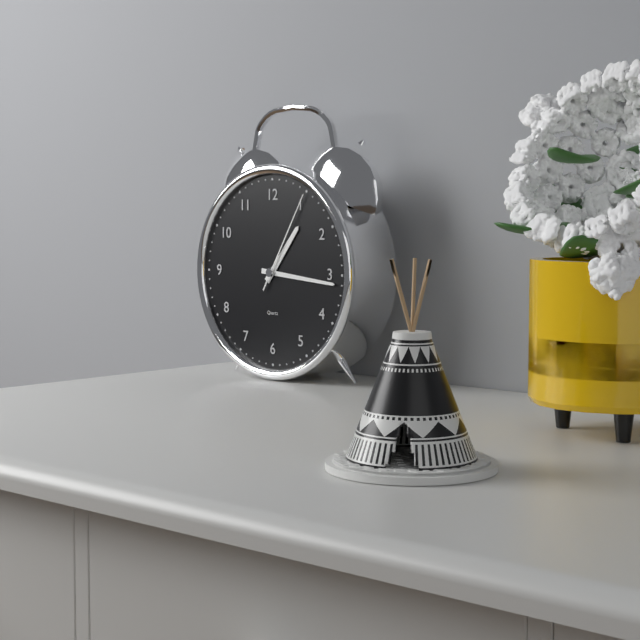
1.16.05
